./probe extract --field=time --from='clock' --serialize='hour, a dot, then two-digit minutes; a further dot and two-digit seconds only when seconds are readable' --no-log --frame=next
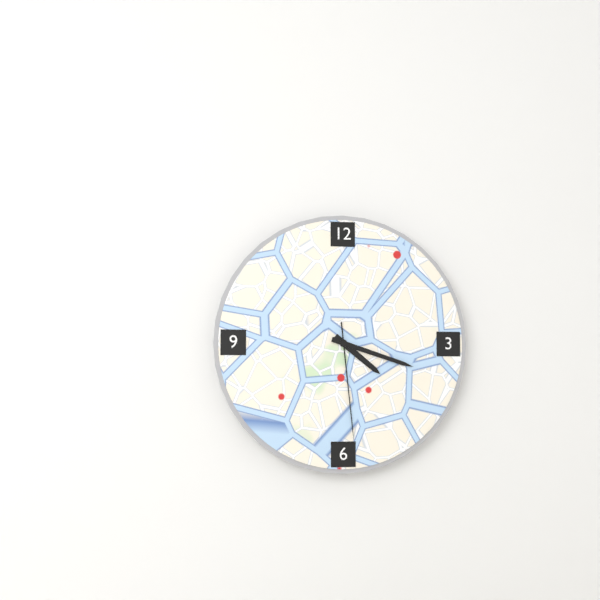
4.18.29
